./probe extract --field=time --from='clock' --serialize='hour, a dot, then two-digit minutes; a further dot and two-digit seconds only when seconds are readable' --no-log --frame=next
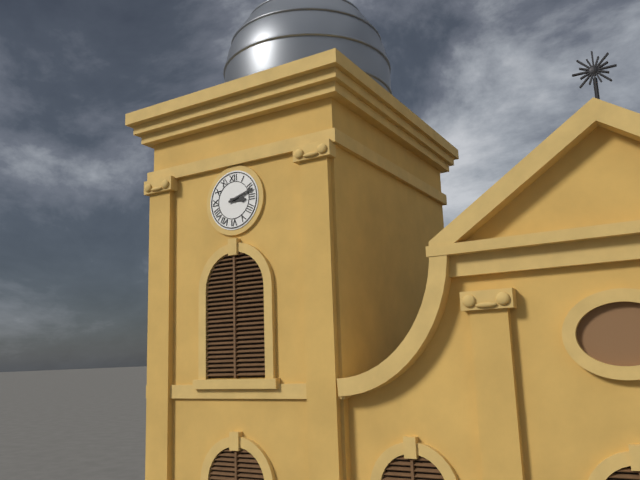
3.12
